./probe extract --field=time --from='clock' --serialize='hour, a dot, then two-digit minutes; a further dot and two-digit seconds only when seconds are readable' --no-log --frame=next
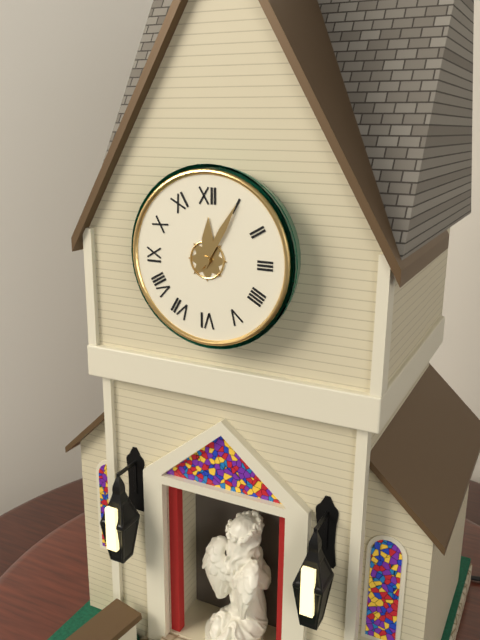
12.05
